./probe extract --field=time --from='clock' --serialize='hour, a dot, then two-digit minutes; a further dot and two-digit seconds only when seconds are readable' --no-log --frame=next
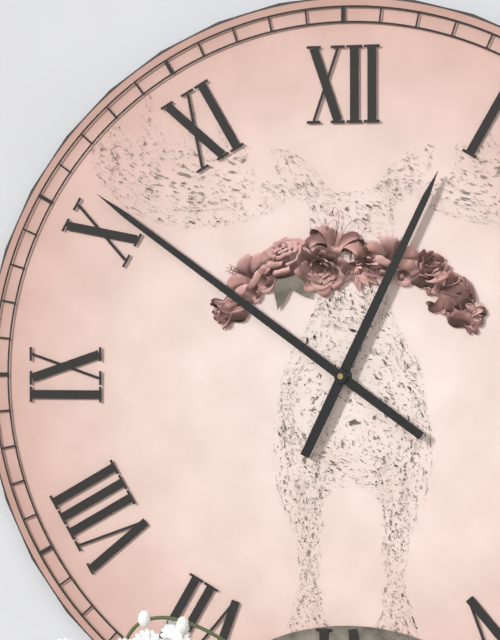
12.51
